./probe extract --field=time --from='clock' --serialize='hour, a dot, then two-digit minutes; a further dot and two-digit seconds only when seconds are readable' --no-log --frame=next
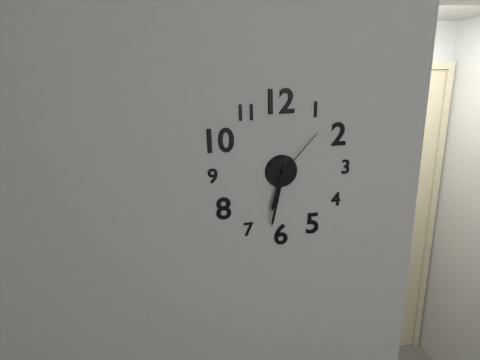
6.32.07
